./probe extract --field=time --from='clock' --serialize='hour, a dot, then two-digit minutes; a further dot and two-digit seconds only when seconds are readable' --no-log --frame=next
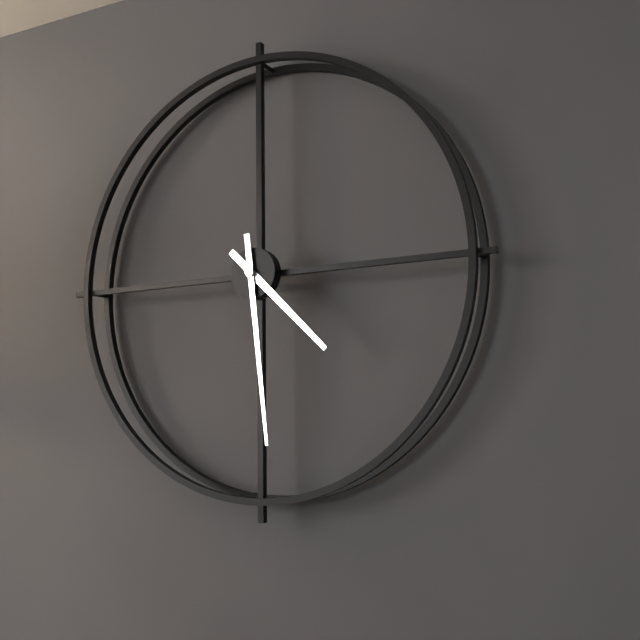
4.29
